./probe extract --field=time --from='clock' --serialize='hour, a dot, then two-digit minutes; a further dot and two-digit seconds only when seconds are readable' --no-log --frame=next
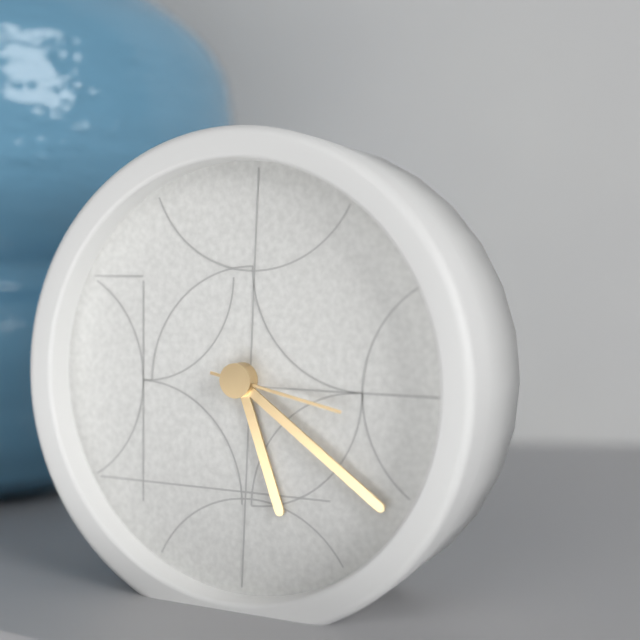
5.21.17
